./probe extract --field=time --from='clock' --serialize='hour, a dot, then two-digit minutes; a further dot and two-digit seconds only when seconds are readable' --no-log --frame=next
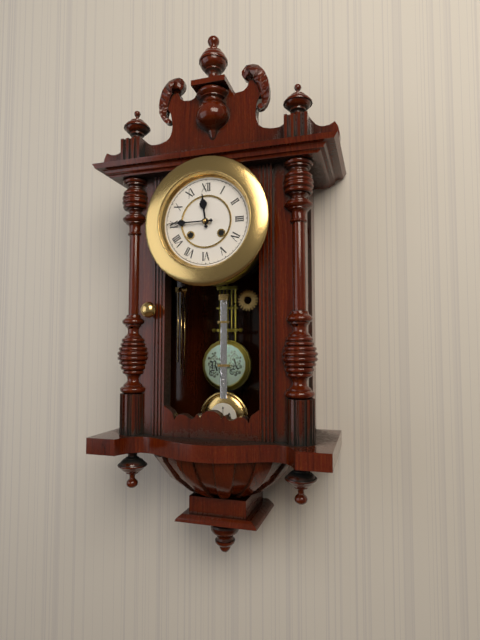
11.45
